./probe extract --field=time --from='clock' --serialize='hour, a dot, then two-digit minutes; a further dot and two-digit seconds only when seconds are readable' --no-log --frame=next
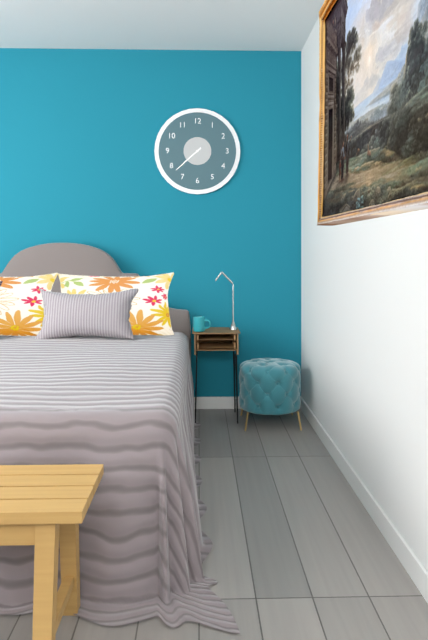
7.38
